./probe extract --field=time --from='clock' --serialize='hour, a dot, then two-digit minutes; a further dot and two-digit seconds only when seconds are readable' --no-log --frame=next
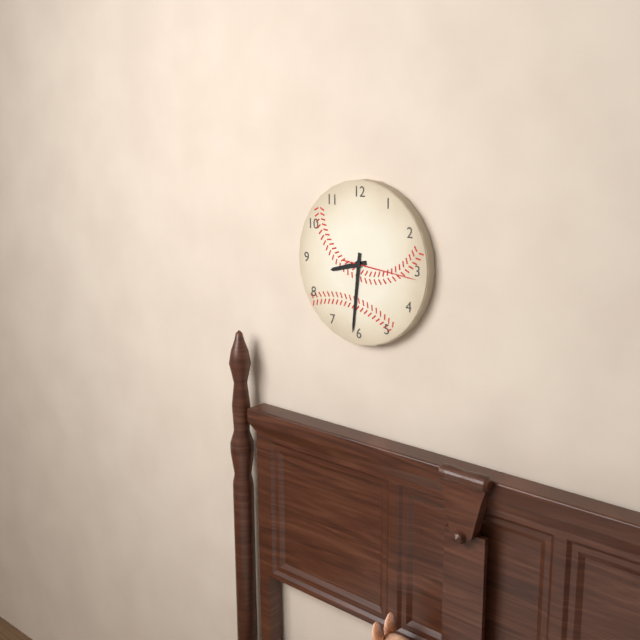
8.31.16
